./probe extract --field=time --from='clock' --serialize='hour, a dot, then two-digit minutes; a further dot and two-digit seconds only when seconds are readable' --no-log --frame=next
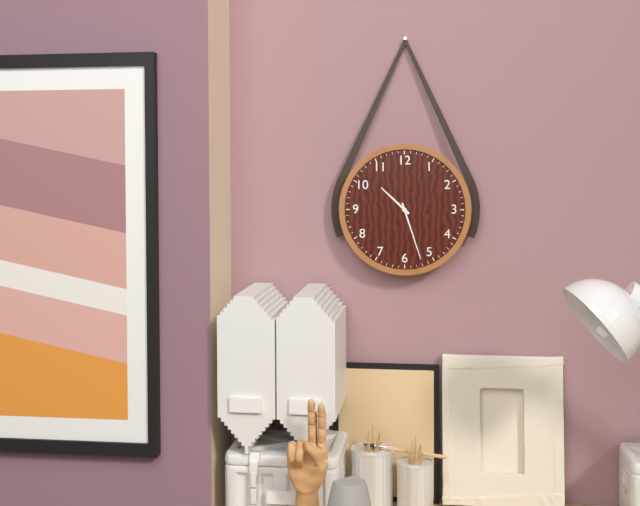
10.27
